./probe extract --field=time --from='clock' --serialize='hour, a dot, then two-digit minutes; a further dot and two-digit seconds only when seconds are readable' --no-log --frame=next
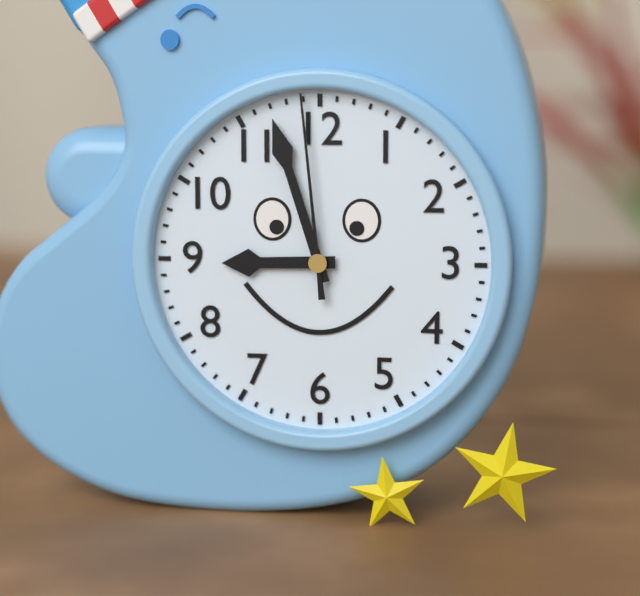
8.57.59
